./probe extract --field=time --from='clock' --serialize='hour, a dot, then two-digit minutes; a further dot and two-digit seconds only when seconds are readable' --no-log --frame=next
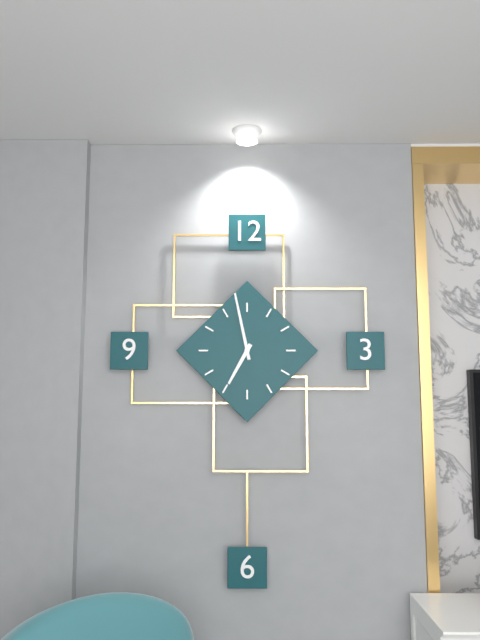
6.58
